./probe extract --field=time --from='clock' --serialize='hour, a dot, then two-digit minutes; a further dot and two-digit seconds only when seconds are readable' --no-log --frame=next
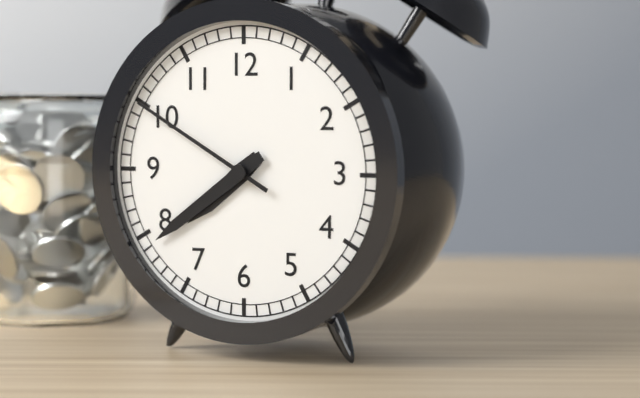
7.39.50
